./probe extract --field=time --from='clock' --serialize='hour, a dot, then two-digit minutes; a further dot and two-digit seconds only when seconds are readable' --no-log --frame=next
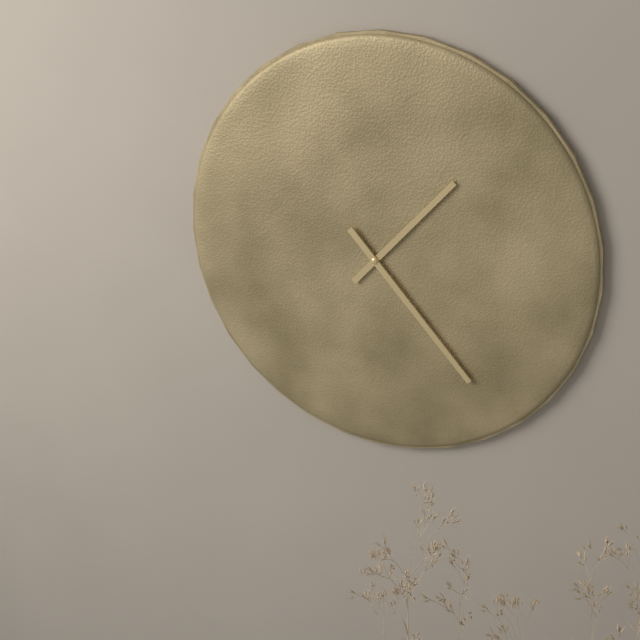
1.23
